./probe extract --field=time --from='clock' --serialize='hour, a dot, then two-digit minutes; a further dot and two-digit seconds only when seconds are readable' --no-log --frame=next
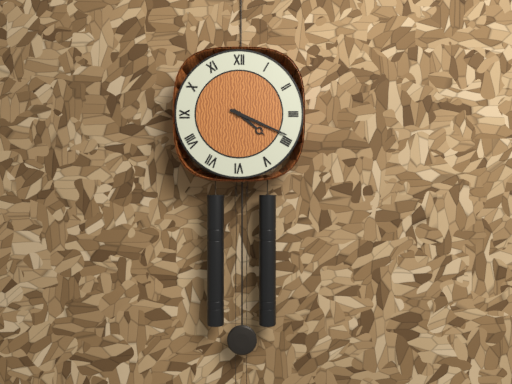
4.19
